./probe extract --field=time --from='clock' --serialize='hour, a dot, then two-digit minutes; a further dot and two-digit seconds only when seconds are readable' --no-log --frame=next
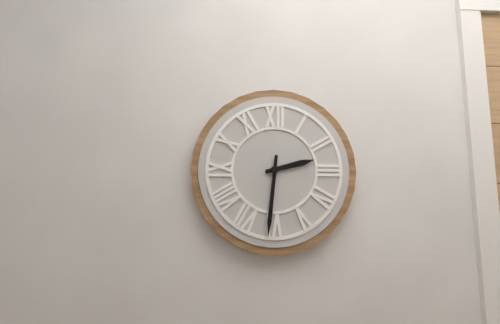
2.31
